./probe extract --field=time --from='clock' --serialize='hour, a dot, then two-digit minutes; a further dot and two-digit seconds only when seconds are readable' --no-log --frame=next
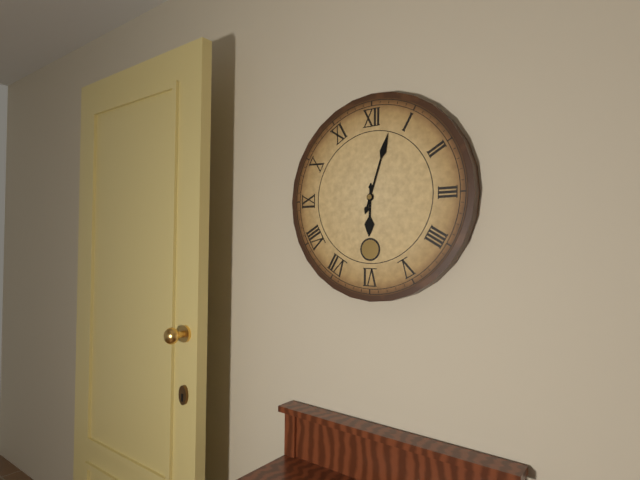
6.03
